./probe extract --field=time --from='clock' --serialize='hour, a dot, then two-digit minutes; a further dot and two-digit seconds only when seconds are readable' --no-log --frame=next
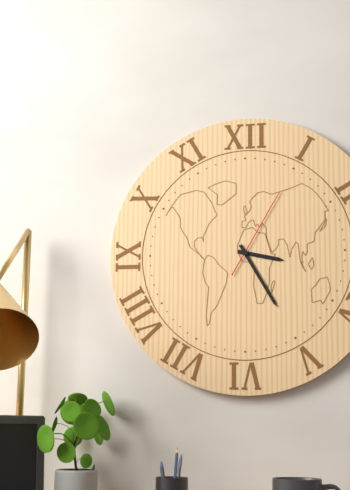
3.25.05
